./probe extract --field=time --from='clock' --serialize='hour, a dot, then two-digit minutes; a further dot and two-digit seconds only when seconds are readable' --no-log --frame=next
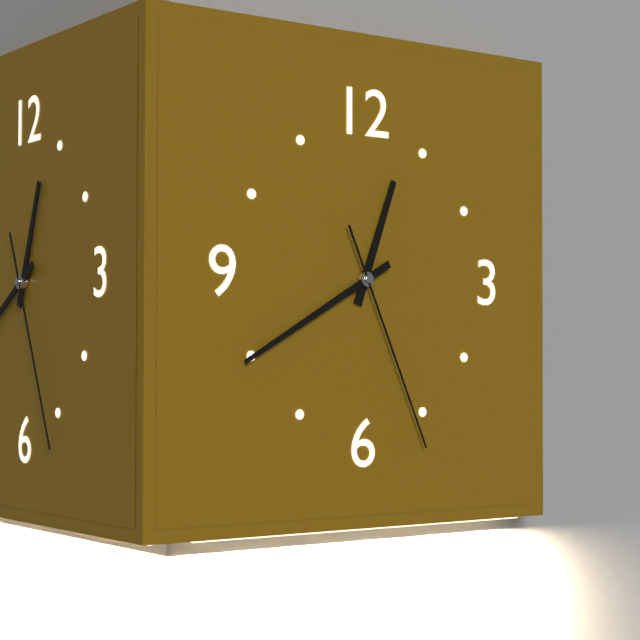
12.40.26
